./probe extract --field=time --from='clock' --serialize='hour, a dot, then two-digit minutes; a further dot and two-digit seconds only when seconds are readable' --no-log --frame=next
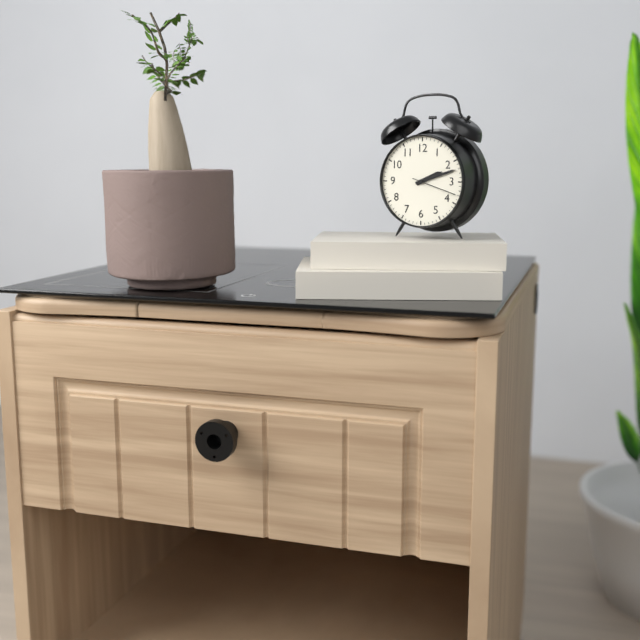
2.12
